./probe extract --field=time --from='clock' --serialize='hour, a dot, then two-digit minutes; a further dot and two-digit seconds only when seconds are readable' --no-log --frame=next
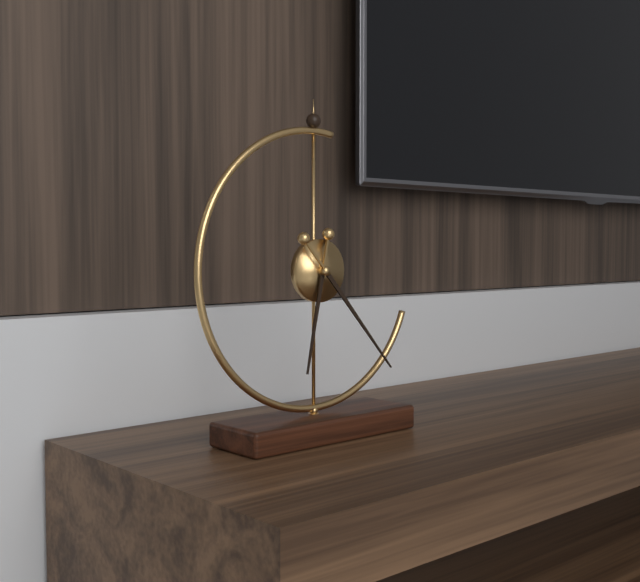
6.23
